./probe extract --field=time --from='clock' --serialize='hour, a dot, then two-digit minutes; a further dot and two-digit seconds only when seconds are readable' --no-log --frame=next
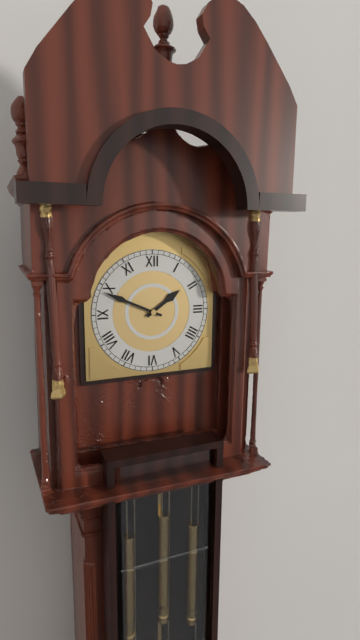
1.49
